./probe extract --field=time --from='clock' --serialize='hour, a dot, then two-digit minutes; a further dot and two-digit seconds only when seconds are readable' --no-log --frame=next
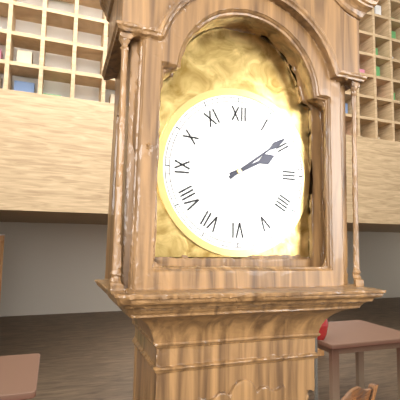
2.09
